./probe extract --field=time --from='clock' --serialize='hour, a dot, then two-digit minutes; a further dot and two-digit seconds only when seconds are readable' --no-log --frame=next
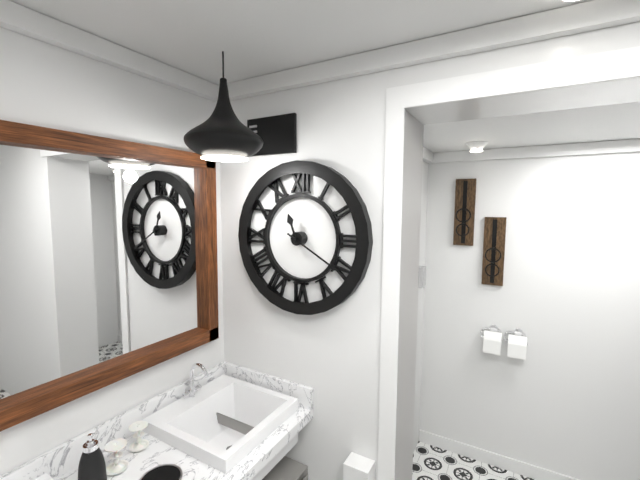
11.20
